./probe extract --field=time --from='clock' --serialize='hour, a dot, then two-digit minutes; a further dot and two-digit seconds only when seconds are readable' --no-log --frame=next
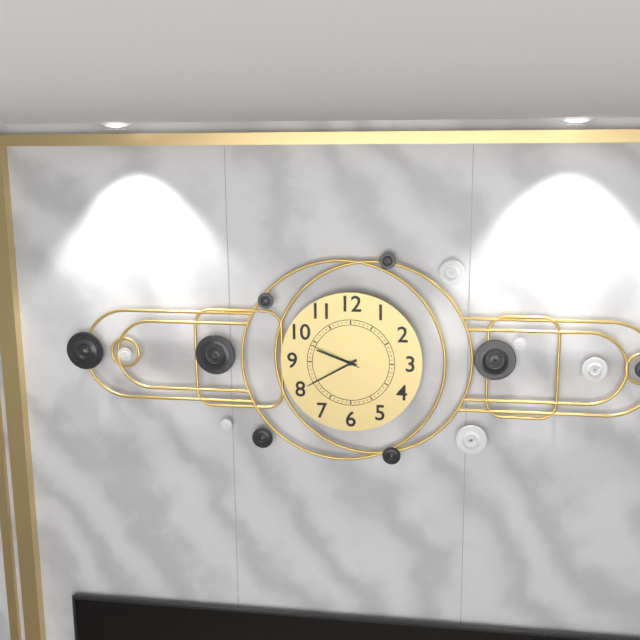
9.40.49
